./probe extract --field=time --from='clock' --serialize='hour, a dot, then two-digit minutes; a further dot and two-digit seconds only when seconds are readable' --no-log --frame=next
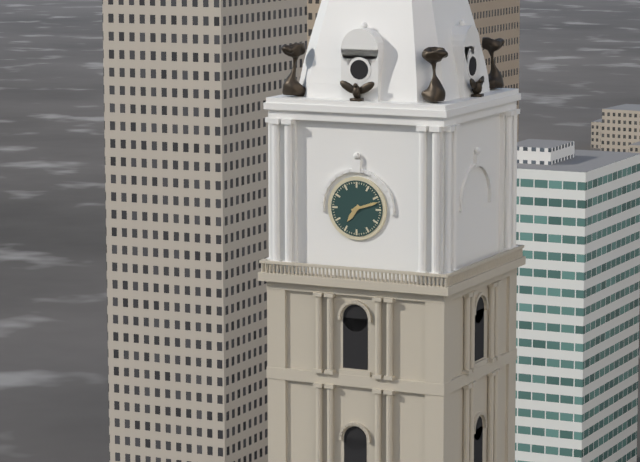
7.12
